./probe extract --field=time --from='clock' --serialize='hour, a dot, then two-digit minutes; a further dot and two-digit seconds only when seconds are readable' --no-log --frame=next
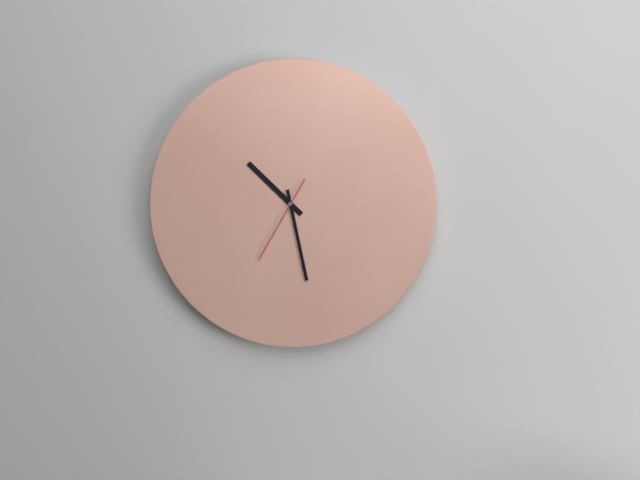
10.28.35
